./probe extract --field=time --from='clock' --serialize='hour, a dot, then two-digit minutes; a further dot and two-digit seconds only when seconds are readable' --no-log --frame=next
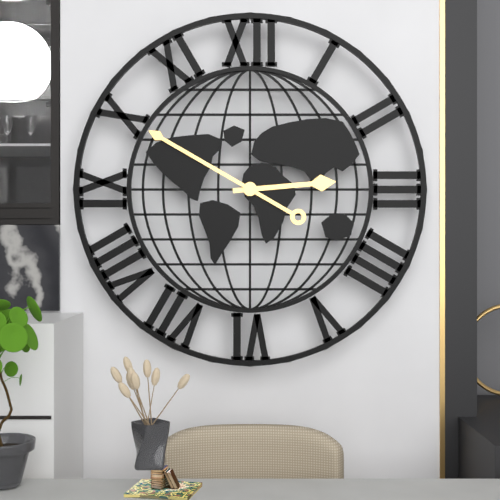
2.50
